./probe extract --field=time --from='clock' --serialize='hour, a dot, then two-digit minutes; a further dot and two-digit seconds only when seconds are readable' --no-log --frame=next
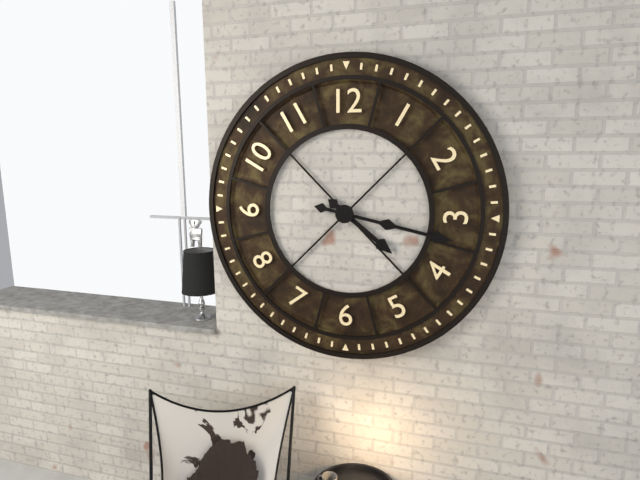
4.17
